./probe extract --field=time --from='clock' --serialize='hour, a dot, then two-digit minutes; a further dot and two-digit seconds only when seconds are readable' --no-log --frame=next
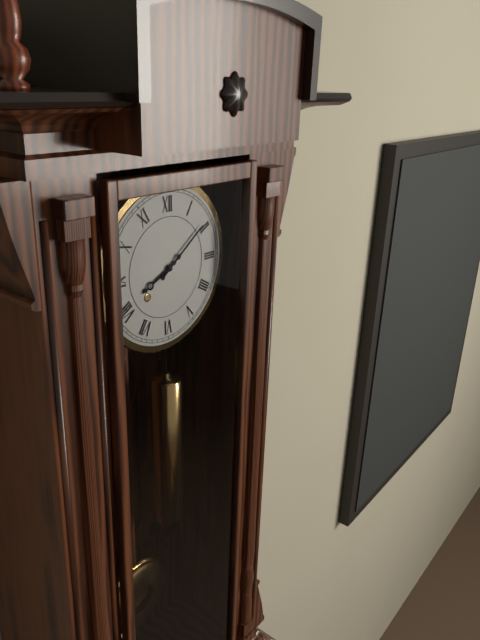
8.09
